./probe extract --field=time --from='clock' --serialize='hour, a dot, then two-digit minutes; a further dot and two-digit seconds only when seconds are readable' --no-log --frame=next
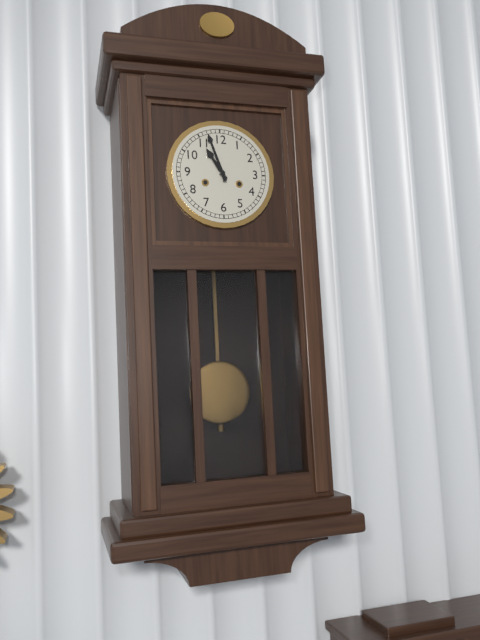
10.57
